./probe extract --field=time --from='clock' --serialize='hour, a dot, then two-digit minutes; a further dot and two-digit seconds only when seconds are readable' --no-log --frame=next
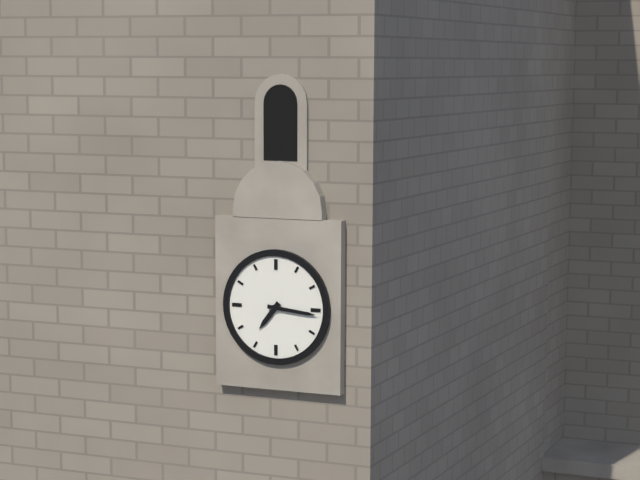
7.16
